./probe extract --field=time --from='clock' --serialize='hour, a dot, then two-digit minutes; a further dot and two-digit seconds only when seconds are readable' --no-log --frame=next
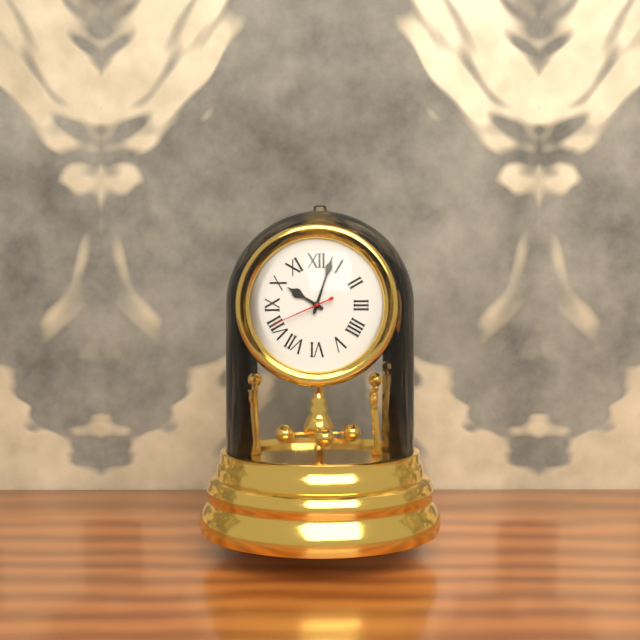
10.03.41
